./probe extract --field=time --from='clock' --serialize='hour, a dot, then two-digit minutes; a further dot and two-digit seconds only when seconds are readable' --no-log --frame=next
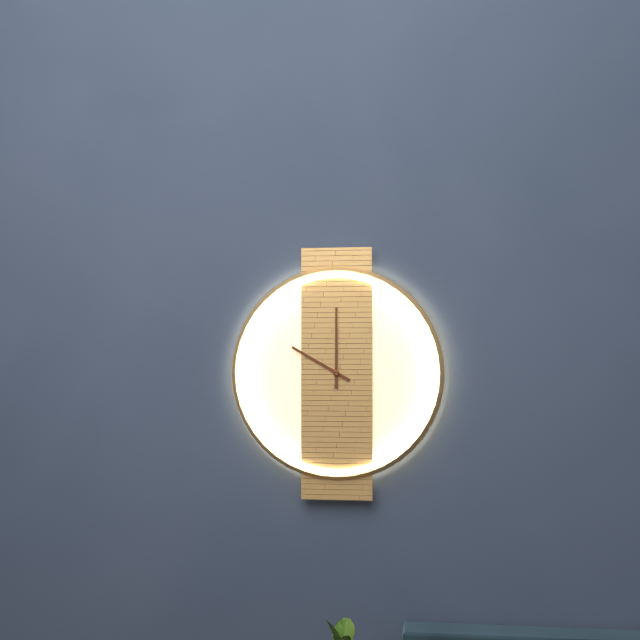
10.00
